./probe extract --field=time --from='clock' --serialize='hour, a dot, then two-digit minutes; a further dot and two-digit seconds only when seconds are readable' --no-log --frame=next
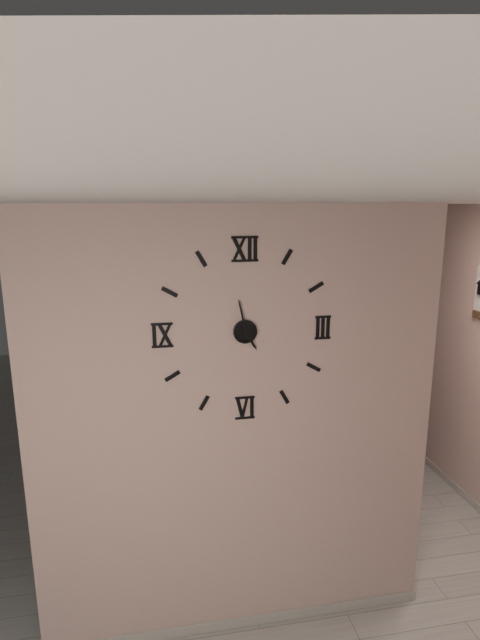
4.58
